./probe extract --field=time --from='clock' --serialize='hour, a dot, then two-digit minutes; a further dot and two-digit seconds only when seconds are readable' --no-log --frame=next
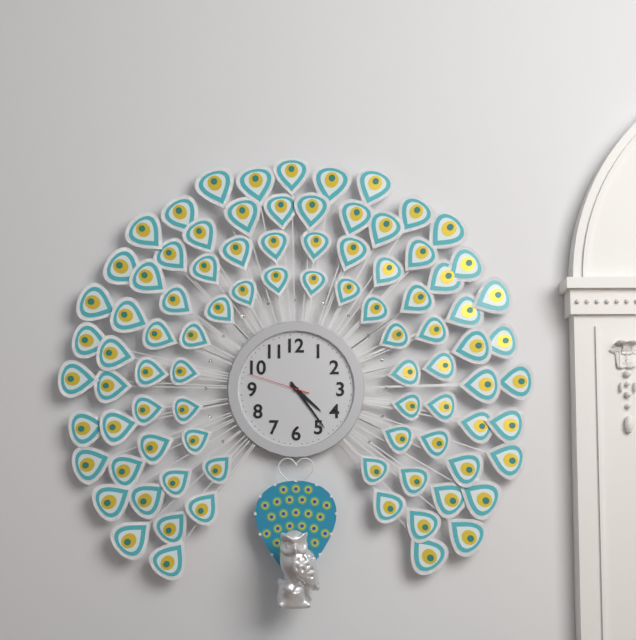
4.24.48
